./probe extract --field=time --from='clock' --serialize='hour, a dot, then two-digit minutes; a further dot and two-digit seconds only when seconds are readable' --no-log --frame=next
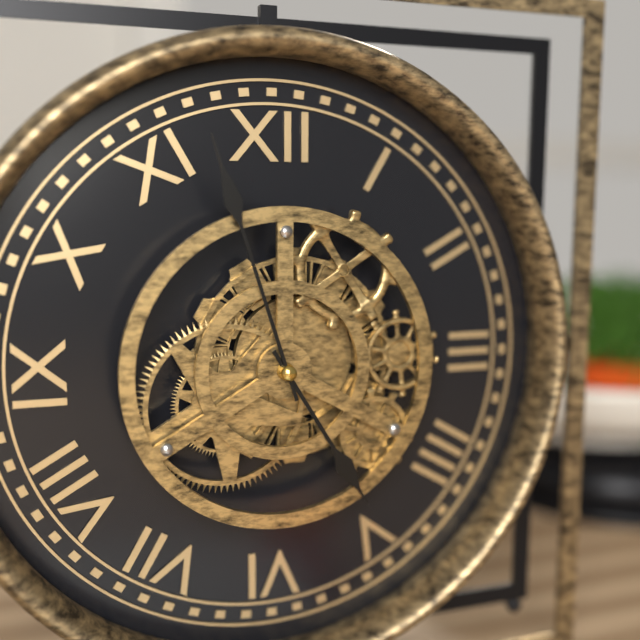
4.57
